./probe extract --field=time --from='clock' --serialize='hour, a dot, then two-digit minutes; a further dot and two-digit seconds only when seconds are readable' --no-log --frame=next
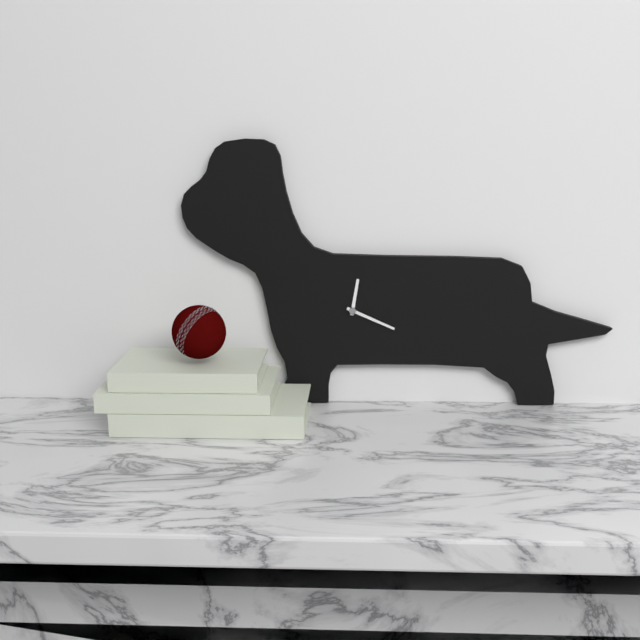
12.19
